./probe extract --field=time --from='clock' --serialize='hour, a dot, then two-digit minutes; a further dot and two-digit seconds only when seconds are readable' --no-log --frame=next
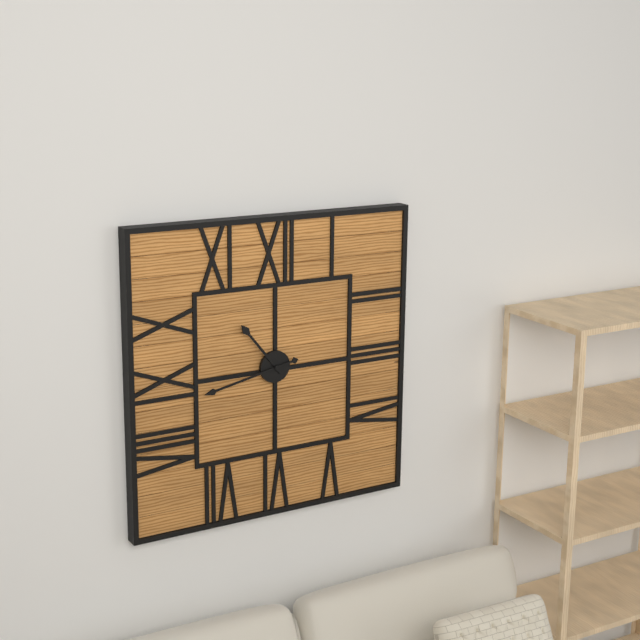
10.43
